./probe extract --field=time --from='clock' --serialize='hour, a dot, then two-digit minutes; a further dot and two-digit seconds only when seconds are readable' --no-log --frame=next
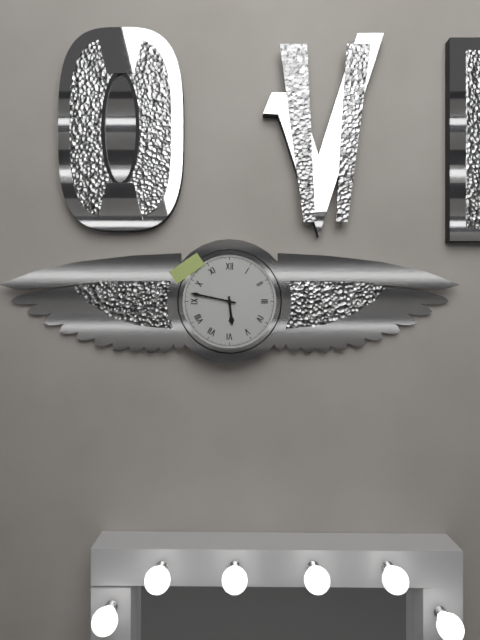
5.47
